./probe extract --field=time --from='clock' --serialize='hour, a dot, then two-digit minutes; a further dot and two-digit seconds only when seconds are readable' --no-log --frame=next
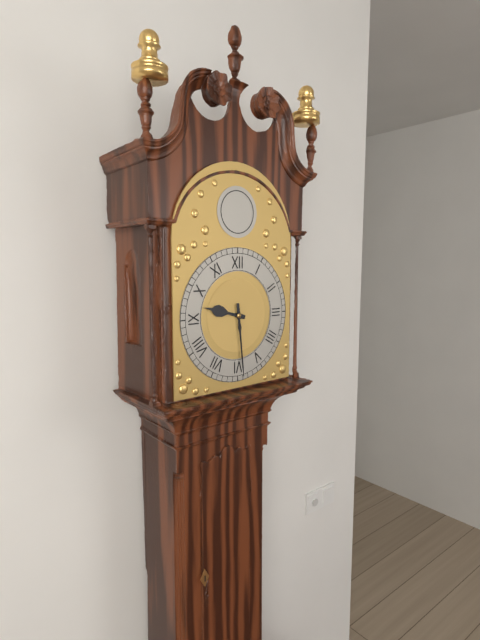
9.29
